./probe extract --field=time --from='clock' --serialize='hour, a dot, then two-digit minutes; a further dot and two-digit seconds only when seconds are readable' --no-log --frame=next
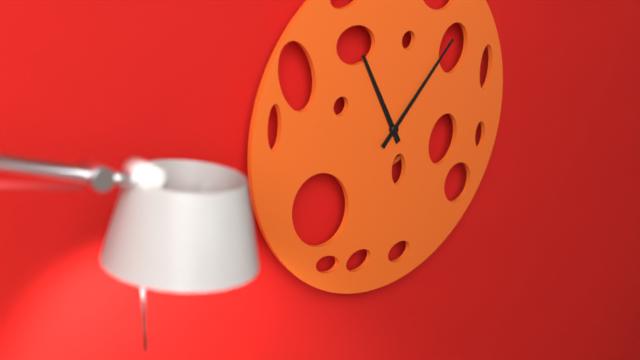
11.08
